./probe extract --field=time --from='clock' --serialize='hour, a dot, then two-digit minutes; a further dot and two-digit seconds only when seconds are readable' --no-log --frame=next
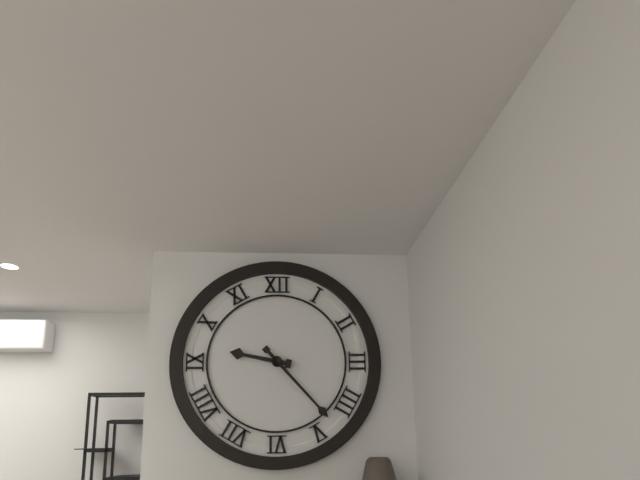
9.23
